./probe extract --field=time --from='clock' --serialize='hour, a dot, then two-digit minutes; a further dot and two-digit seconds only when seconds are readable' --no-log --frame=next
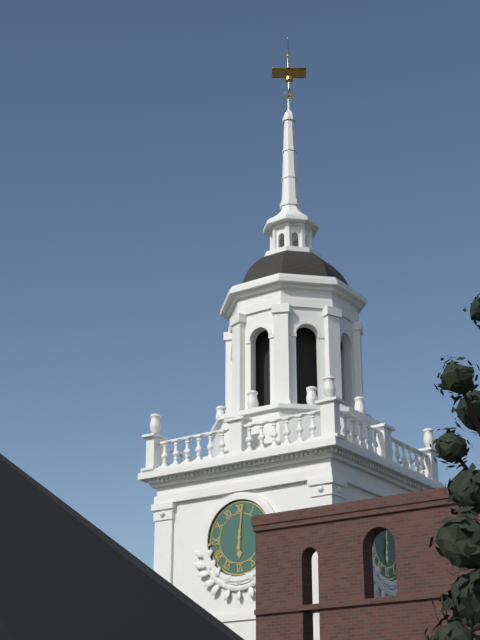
6.01
